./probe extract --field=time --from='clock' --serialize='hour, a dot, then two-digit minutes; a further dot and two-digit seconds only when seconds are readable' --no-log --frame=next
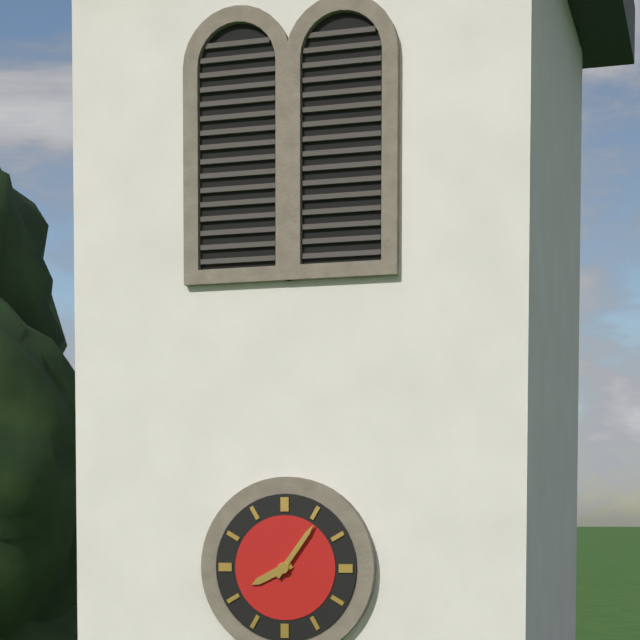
8.06
